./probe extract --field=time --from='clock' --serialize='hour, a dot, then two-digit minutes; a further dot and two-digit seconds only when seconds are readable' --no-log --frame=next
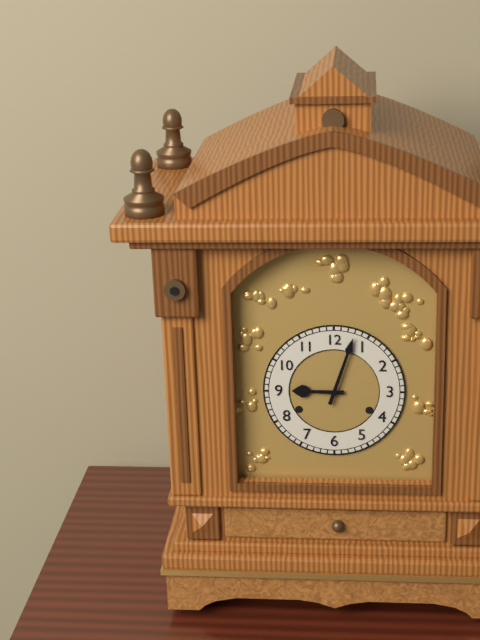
9.03
